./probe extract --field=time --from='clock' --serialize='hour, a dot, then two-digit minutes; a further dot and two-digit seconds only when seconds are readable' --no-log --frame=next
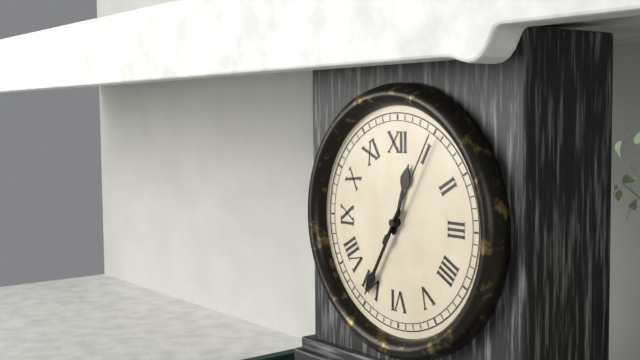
12.35.05
